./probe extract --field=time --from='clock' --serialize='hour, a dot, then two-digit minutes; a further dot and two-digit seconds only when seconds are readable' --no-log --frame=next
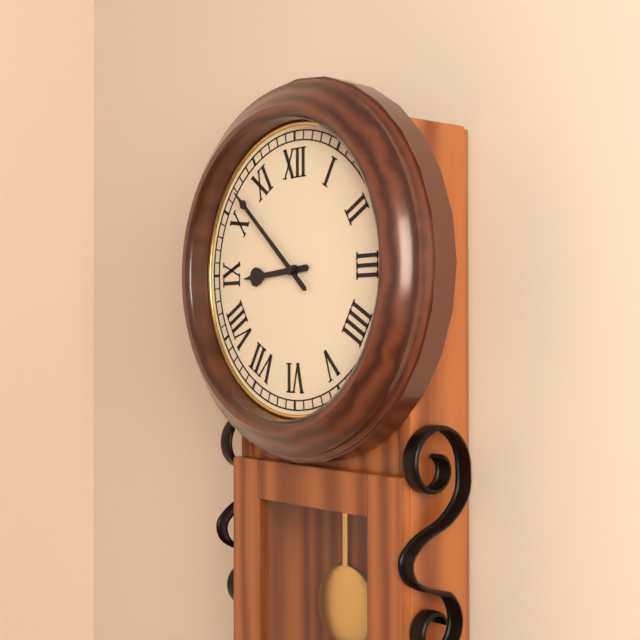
8.52
